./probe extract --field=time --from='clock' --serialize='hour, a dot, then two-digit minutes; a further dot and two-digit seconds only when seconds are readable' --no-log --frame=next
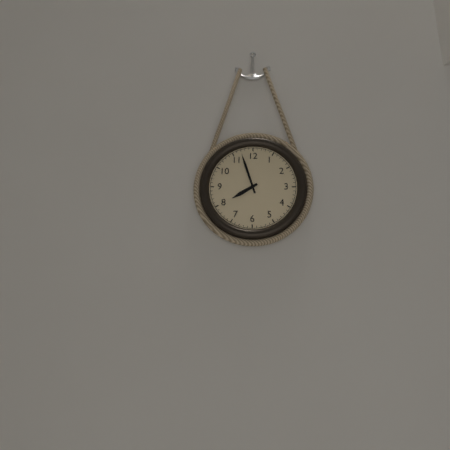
7.57
